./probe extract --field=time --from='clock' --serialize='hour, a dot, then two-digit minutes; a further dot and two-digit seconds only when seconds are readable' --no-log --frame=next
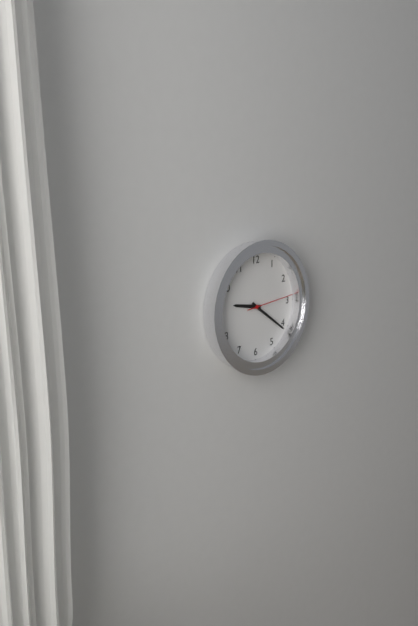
9.21
